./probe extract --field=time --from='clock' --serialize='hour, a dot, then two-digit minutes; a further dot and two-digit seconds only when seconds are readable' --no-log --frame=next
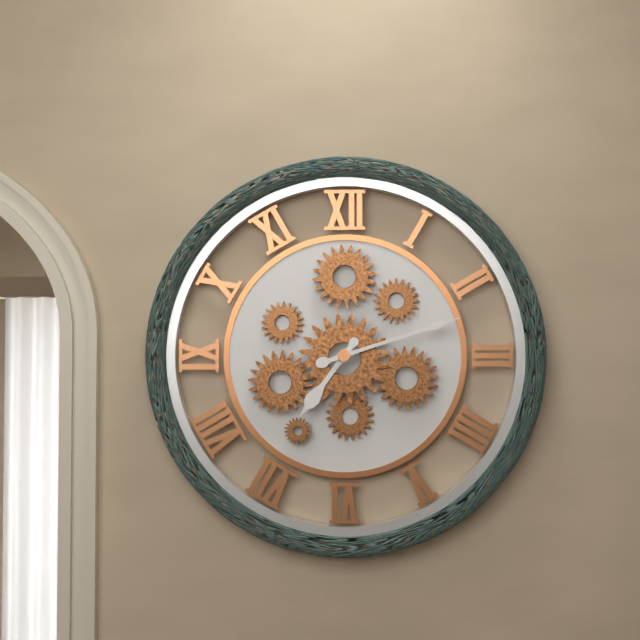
7.12
